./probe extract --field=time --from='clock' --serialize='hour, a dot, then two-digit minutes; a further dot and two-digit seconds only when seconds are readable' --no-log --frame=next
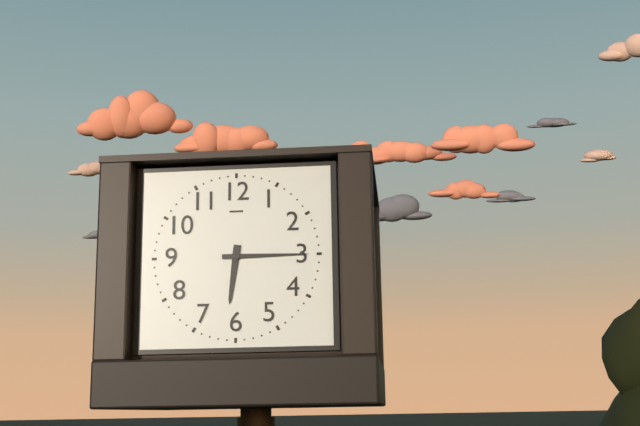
6.15
